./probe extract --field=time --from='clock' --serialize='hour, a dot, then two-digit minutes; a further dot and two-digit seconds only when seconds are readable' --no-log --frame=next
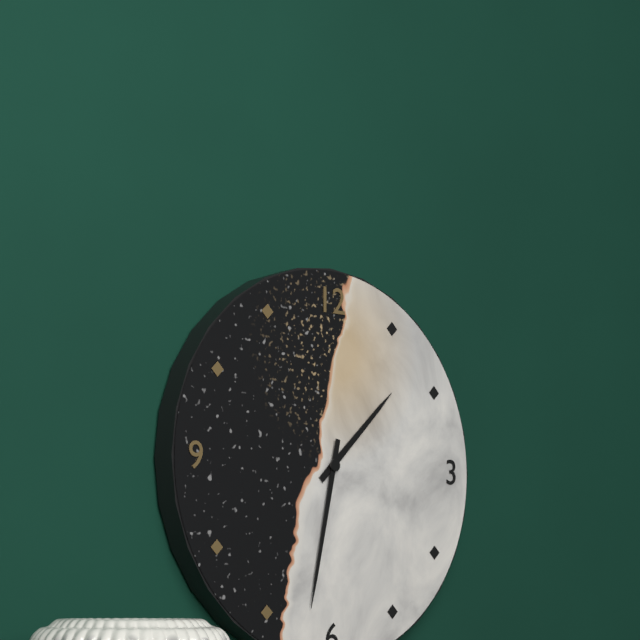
1.32
